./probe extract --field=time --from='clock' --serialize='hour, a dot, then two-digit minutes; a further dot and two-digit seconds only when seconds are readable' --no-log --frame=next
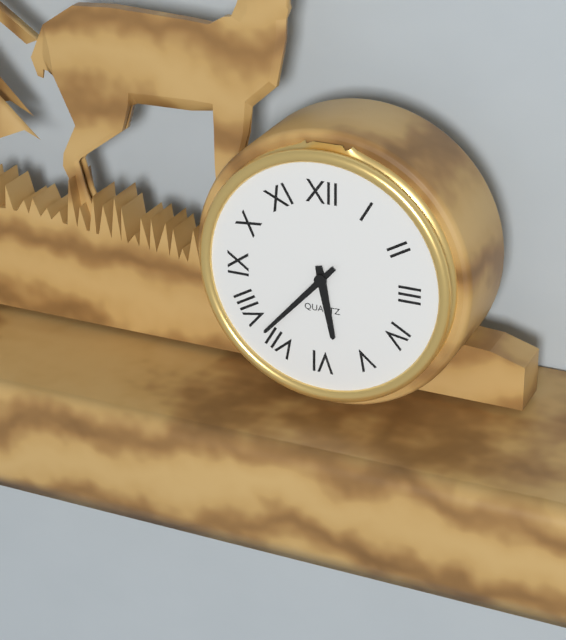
5.37
